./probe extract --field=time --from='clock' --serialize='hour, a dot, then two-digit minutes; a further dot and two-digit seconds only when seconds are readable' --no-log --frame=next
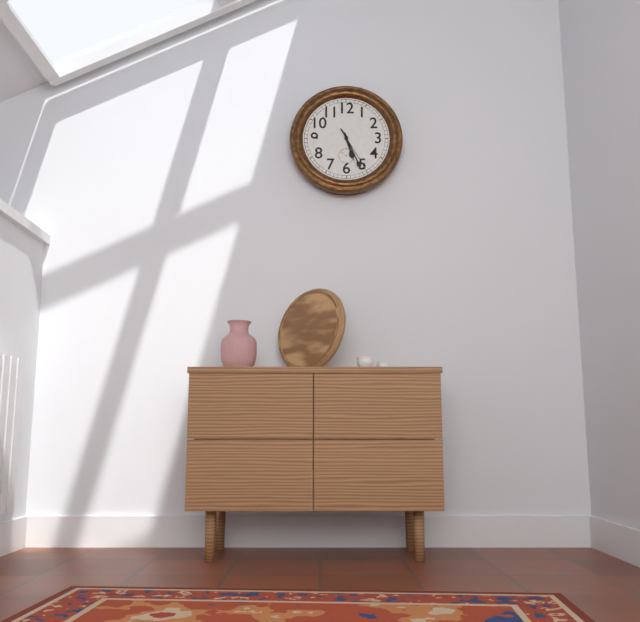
5.26
